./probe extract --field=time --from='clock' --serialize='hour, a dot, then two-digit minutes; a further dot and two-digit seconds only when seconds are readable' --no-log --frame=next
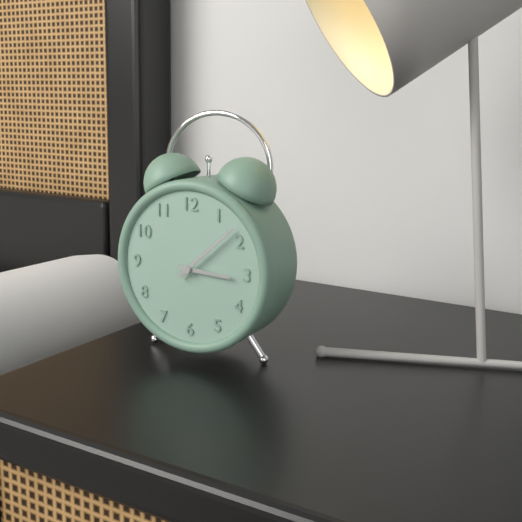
3.08
